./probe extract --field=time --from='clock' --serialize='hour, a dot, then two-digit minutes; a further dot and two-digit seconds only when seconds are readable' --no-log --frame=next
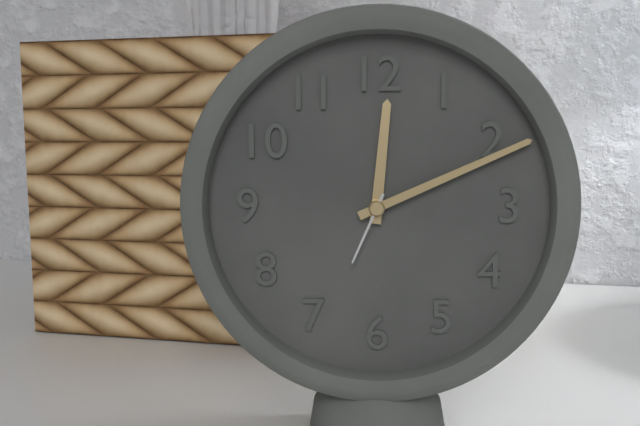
12.11.34
